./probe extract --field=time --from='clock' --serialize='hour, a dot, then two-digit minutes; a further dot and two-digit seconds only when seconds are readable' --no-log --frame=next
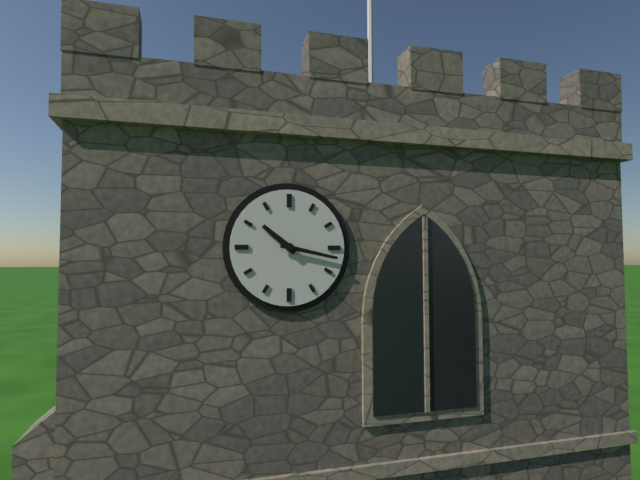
10.17
